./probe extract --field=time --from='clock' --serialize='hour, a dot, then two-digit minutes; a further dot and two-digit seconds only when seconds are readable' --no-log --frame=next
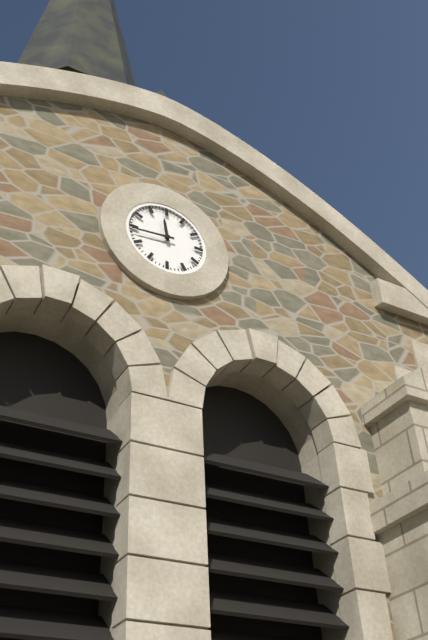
11.44
